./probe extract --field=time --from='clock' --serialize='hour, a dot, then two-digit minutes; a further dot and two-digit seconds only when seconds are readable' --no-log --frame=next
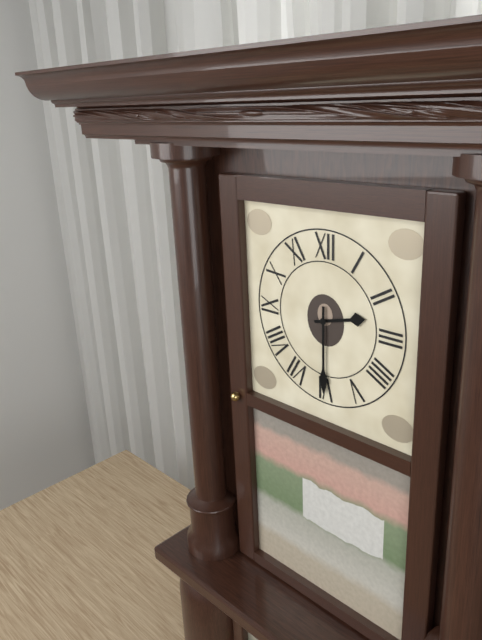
2.30
